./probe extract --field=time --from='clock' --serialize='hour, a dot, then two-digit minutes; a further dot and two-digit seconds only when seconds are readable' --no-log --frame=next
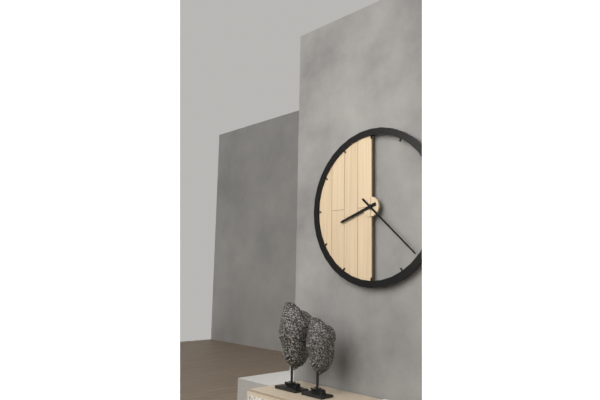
8.22
